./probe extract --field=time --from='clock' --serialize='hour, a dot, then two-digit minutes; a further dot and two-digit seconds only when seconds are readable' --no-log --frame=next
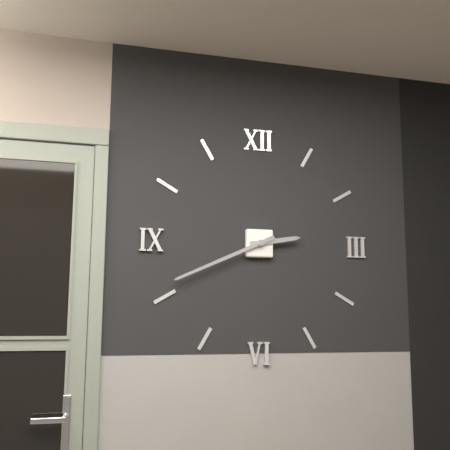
2.41
